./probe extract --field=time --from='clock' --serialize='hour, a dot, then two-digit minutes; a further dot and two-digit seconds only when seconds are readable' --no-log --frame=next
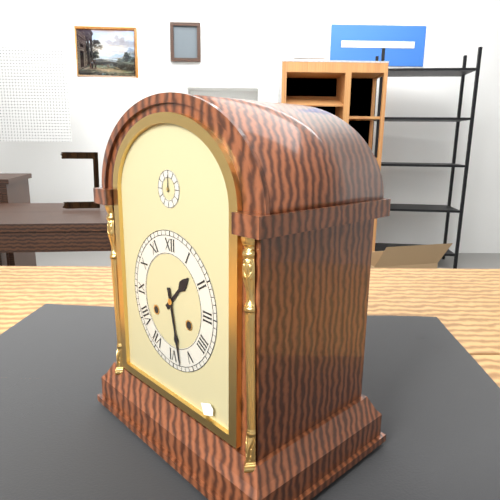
1.28
